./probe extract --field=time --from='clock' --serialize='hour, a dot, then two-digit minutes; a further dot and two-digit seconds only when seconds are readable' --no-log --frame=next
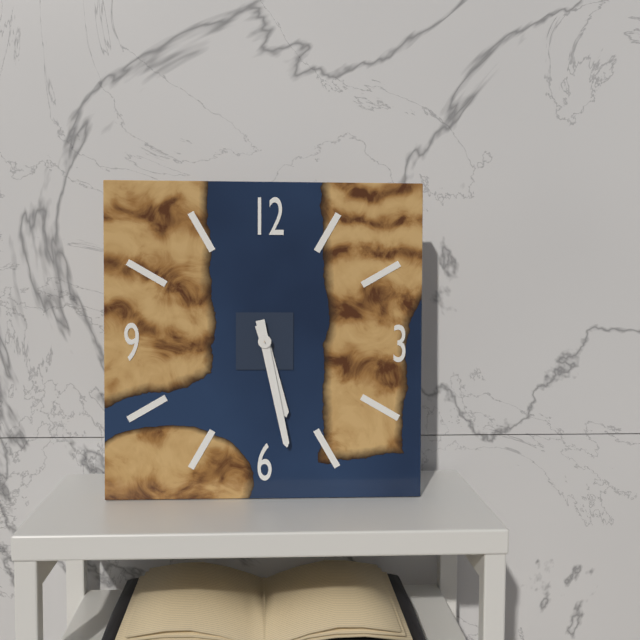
5.28
